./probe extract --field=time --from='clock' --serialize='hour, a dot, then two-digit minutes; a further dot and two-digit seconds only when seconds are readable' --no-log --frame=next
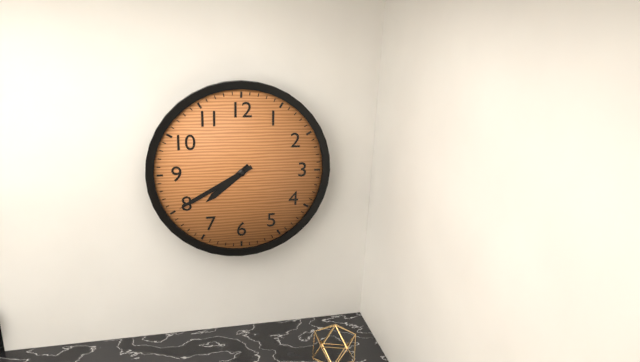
7.40
